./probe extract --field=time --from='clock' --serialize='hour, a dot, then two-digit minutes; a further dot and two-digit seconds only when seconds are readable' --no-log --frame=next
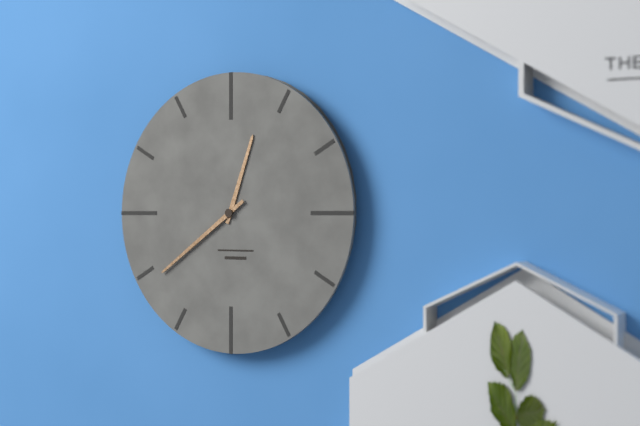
12.39
